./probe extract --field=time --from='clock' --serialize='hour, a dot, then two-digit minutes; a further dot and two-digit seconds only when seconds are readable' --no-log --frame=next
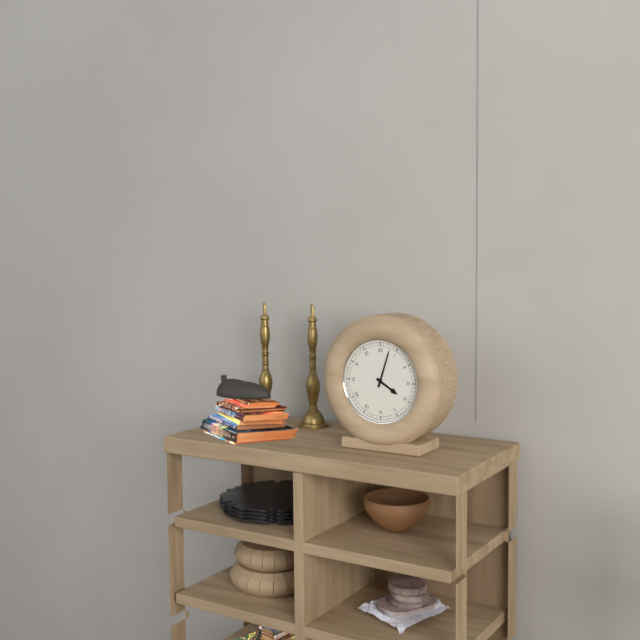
4.03
